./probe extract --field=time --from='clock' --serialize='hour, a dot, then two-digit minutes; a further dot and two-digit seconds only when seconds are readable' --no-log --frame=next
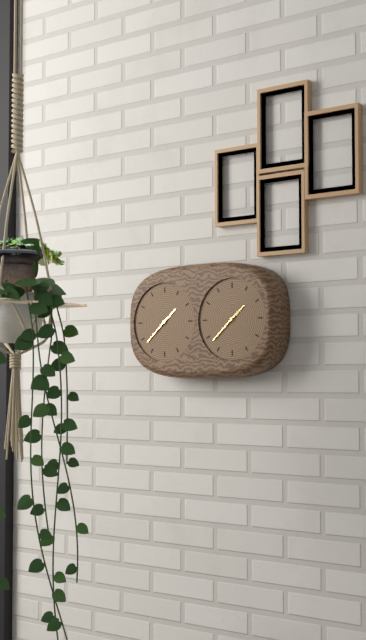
1.38
